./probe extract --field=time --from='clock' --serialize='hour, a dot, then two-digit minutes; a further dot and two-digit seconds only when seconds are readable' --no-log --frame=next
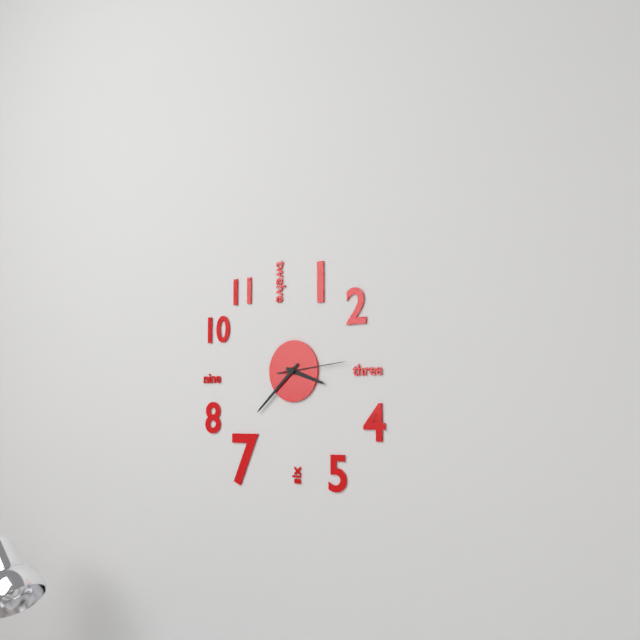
3.38.14
